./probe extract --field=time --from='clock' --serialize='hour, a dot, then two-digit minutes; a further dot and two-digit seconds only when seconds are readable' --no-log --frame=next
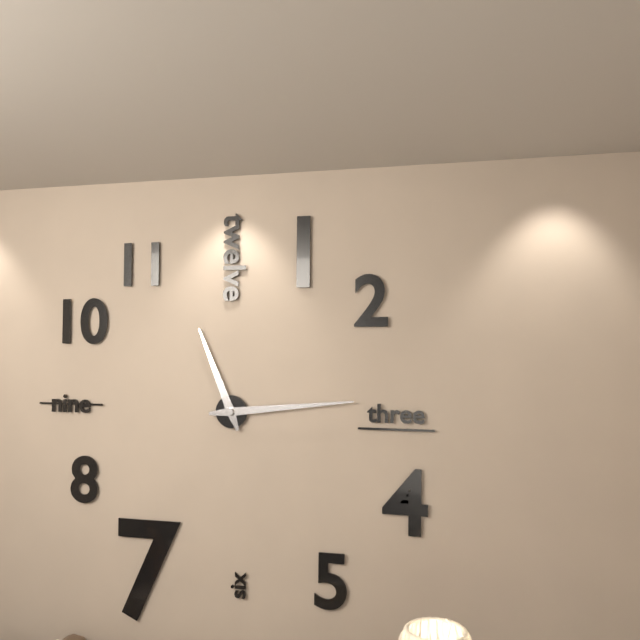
11.14
